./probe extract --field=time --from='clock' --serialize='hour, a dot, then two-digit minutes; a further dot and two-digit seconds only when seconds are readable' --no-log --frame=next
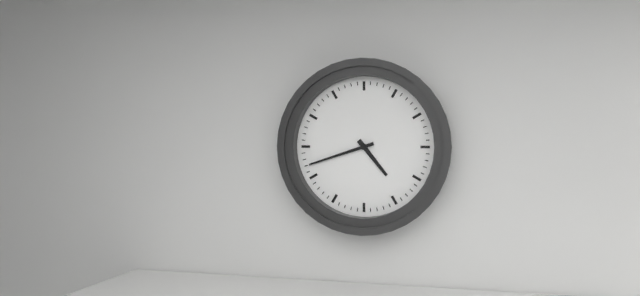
4.42
